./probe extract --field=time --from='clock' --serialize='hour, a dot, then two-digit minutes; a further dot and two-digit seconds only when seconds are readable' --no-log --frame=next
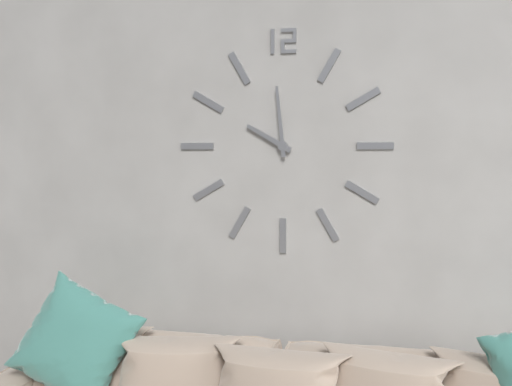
9.59
